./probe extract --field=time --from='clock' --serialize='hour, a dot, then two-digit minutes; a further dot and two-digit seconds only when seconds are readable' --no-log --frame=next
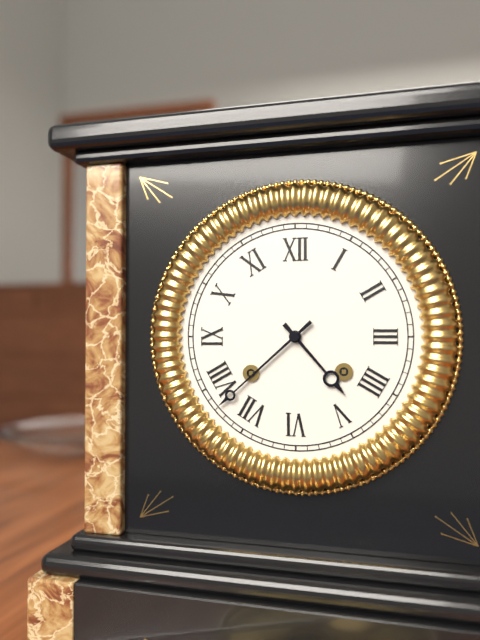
4.38
